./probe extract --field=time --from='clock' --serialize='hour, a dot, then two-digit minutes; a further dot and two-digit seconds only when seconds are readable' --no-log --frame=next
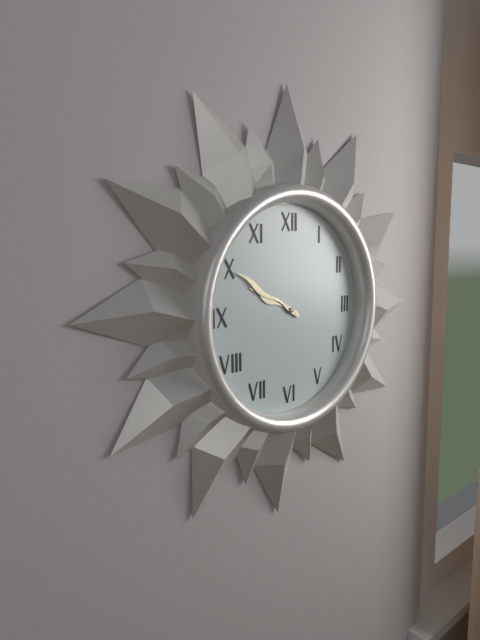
9.50
